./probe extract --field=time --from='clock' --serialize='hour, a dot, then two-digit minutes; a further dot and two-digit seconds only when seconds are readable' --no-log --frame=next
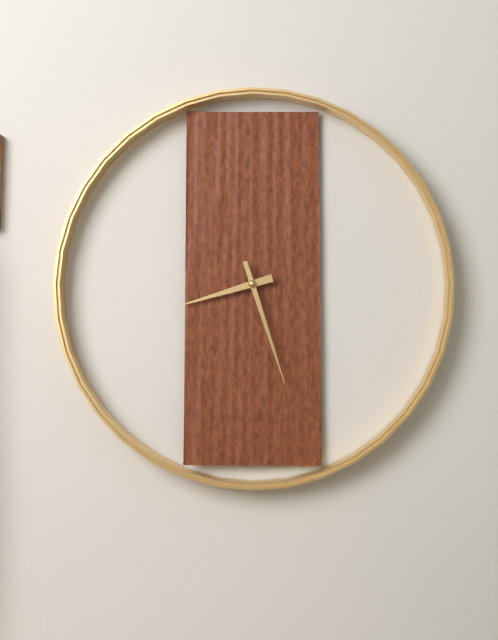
8.27
